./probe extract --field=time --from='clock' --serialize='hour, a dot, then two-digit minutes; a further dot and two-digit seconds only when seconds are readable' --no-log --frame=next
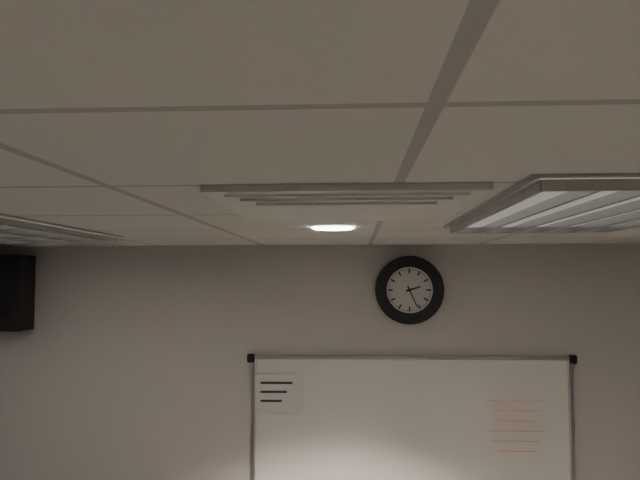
2.26
